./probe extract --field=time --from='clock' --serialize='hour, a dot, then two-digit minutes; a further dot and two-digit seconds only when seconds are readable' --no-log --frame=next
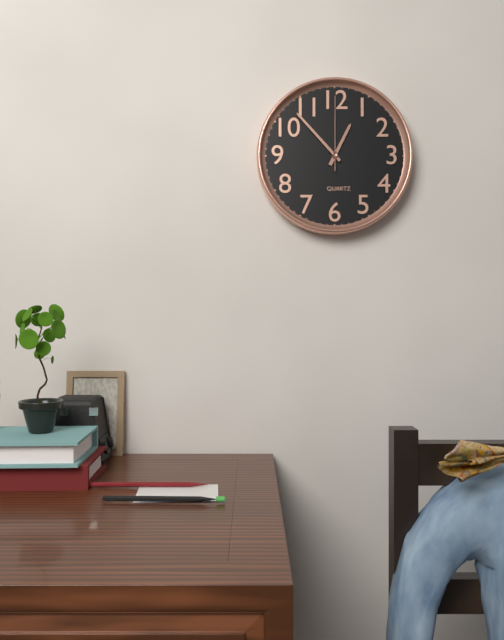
12.53.00
